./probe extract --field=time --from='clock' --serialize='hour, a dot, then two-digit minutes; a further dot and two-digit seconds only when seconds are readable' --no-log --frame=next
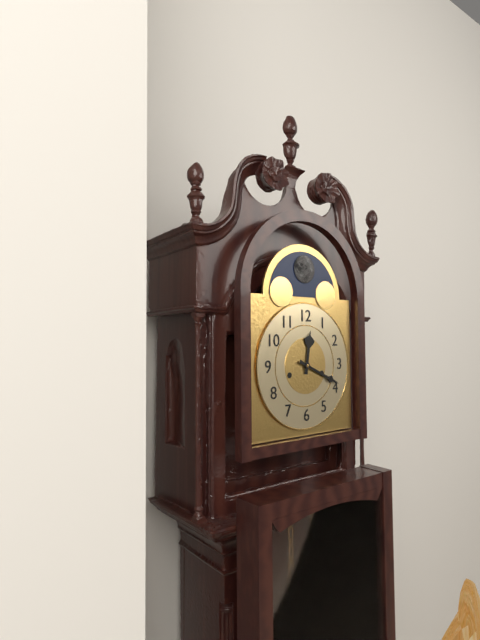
12.19
